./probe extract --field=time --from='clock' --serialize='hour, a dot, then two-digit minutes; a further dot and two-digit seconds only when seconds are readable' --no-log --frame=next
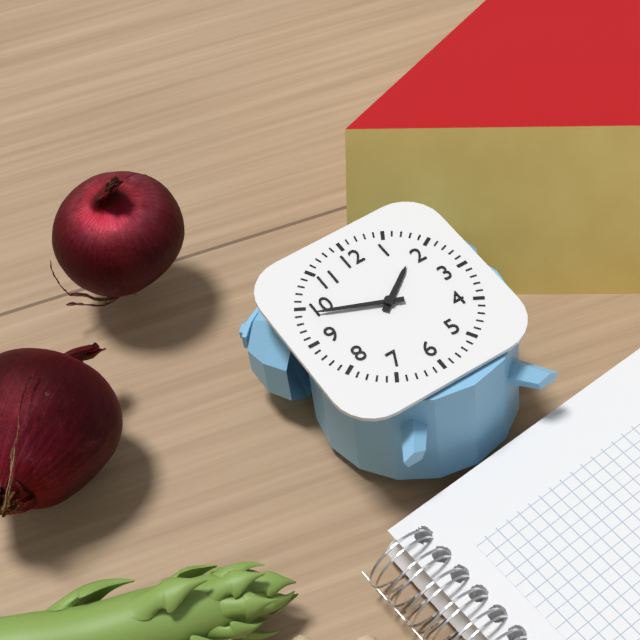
1.49
